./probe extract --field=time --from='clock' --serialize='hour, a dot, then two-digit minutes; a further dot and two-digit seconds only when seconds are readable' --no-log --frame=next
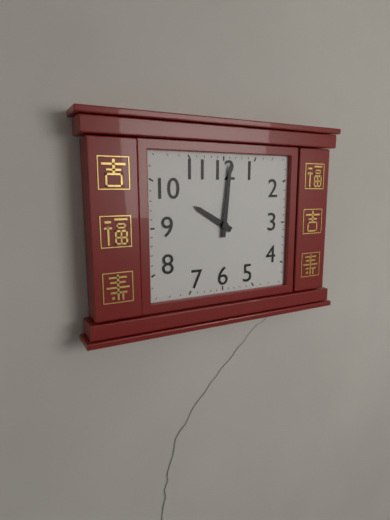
10.01
